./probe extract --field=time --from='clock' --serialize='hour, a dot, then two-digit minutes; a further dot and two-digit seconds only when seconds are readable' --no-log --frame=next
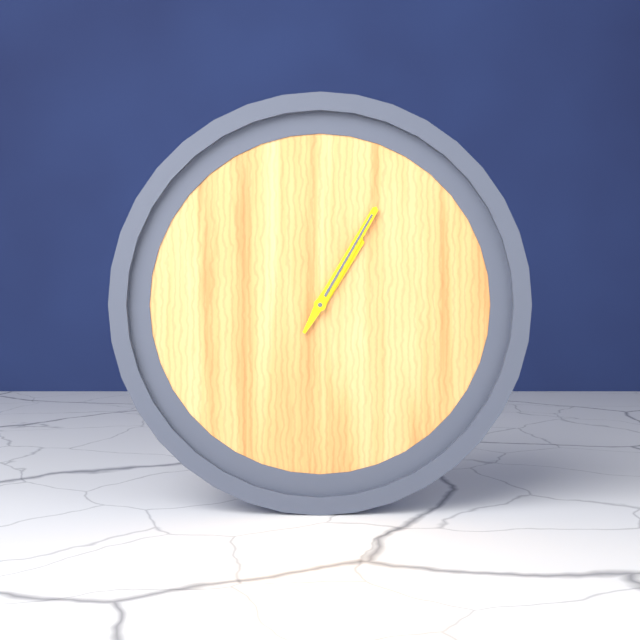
1.05
